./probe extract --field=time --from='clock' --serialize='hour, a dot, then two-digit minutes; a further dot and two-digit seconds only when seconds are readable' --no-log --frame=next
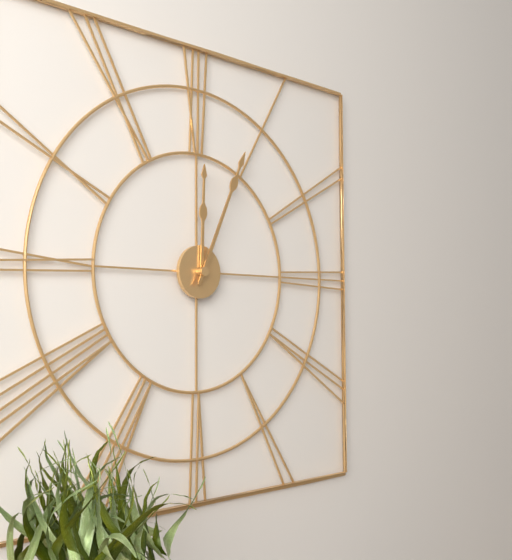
12.04
